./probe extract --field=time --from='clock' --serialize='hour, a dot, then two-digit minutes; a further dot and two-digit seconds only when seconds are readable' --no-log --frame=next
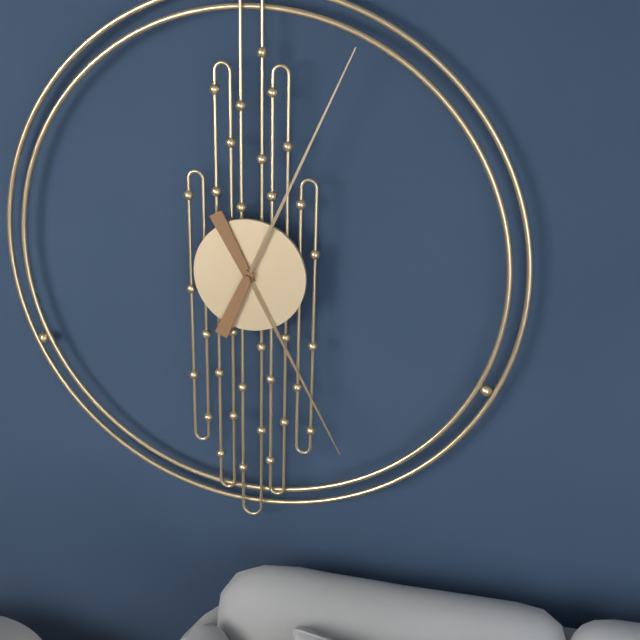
5.04
